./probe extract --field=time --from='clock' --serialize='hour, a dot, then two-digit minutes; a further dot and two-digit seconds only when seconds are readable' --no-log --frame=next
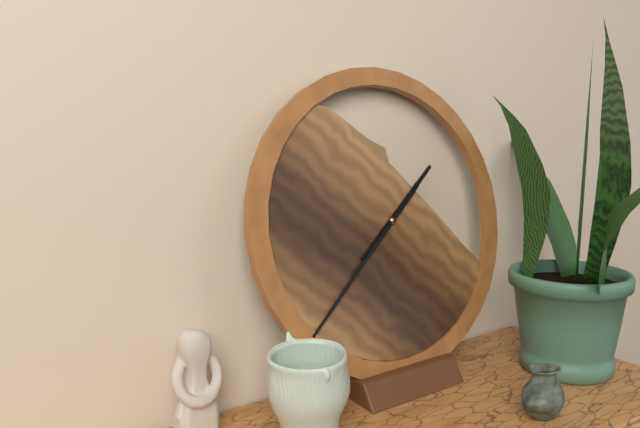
1.38
